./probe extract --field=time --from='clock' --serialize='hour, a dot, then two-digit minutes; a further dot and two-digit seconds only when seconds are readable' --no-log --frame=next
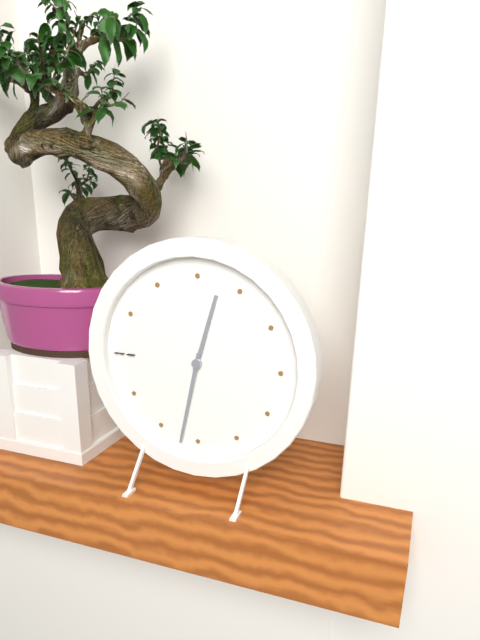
12.32
